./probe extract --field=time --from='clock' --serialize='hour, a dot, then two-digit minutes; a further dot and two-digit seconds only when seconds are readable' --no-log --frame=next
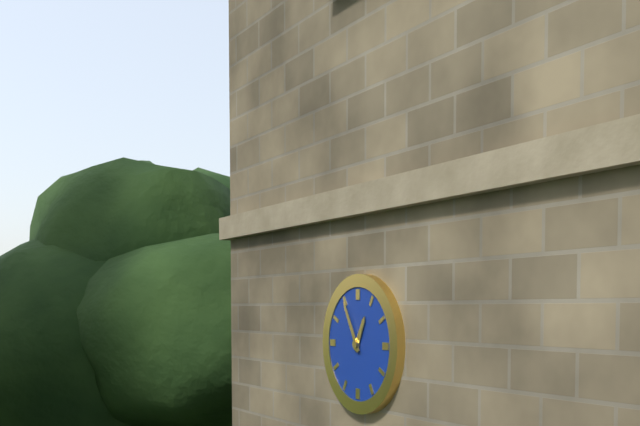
12.55
